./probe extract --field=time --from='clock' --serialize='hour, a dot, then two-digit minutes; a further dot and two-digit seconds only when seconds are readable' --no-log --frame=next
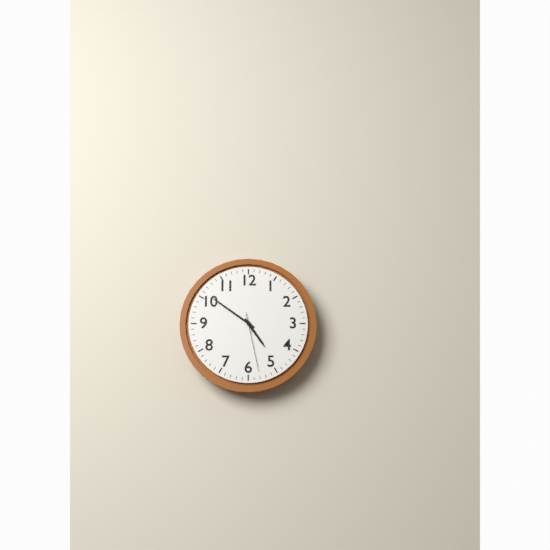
4.51.28
